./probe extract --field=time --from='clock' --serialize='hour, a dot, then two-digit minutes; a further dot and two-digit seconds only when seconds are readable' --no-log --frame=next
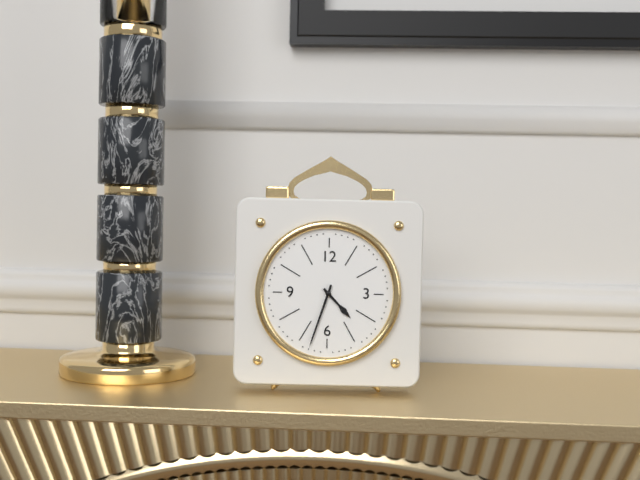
4.33
